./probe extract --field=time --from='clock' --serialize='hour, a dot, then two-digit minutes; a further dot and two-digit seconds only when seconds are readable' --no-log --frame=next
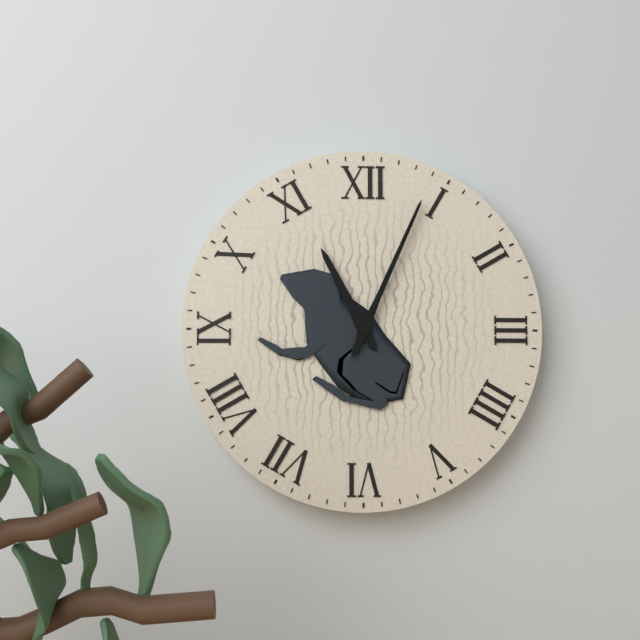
11.04
